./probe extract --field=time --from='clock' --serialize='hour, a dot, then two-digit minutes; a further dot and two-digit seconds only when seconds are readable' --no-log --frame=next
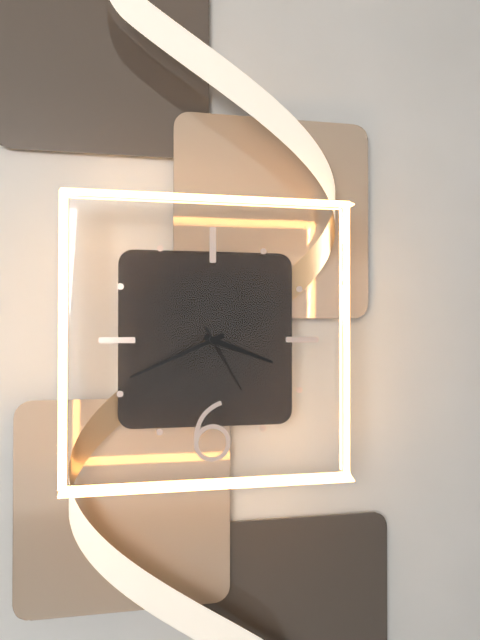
3.41.25
